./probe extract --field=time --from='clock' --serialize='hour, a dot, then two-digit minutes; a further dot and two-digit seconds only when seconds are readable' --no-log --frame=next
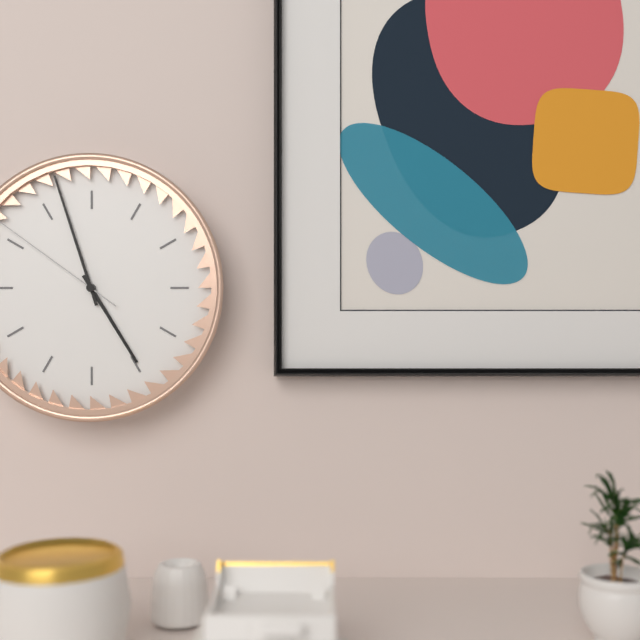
4.57
